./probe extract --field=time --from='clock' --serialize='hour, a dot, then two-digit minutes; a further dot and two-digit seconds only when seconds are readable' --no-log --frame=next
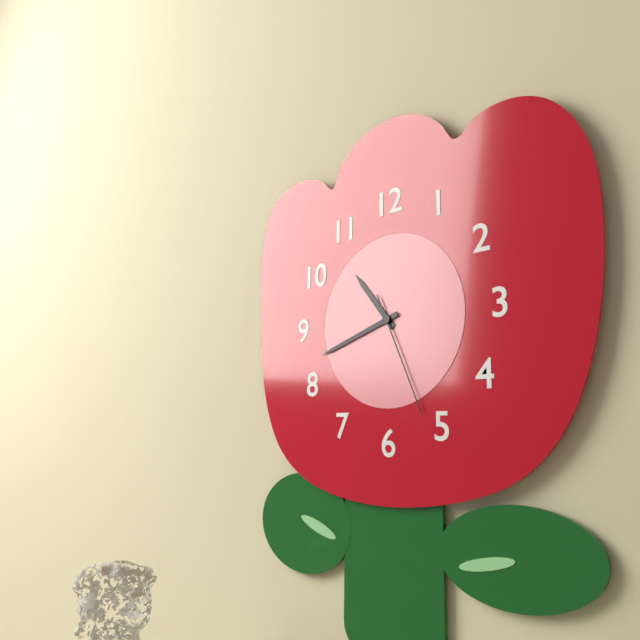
10.42.26
